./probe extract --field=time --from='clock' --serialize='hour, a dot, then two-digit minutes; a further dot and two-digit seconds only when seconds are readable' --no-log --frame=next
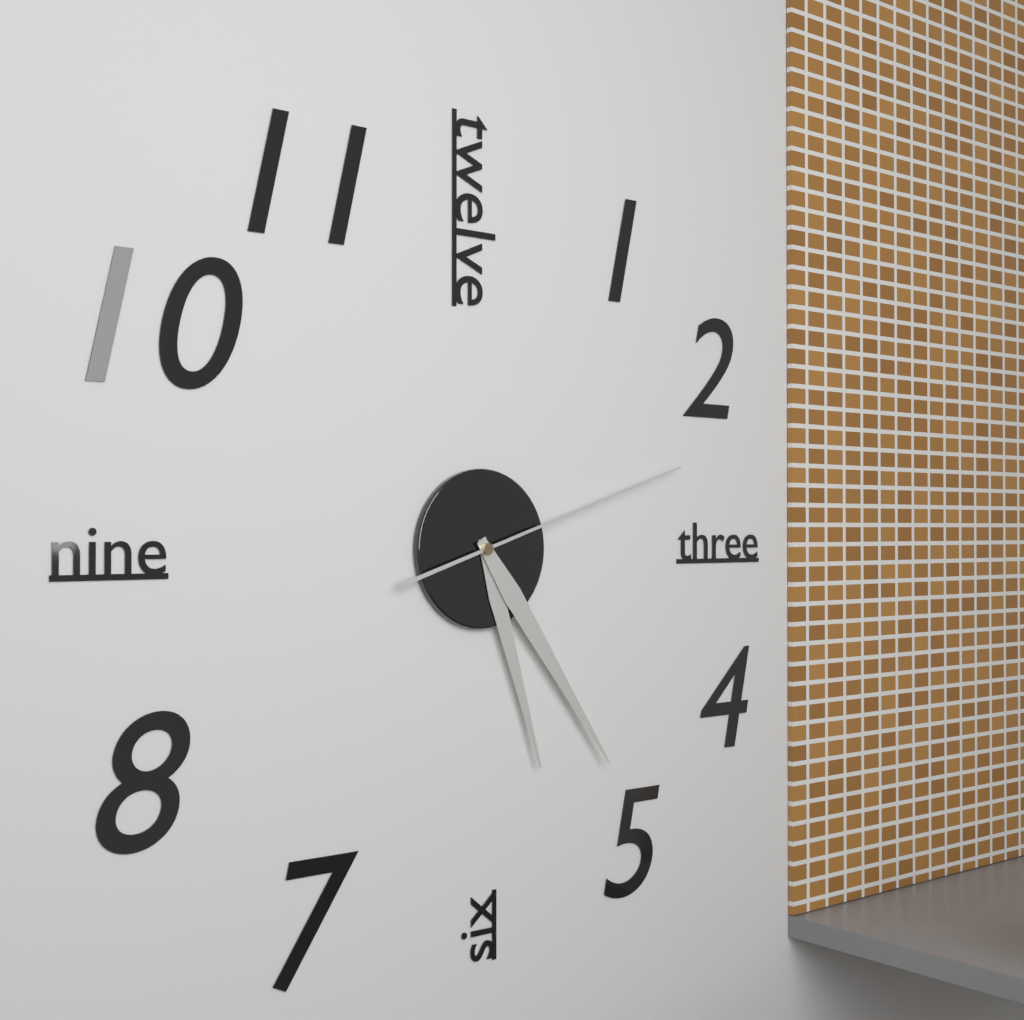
5.24.12
